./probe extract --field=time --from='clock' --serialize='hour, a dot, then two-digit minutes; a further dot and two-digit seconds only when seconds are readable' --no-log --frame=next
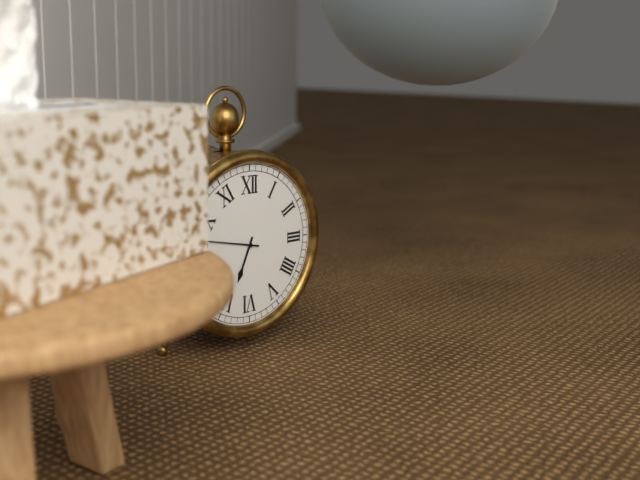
6.47
